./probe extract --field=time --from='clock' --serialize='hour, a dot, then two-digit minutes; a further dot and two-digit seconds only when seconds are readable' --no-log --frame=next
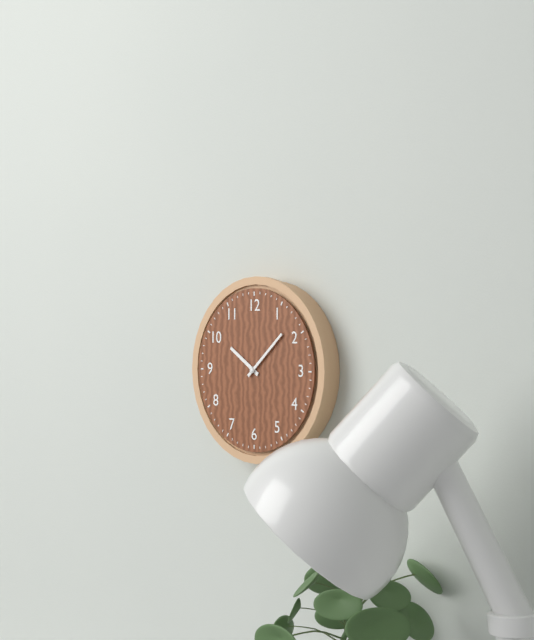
10.08
